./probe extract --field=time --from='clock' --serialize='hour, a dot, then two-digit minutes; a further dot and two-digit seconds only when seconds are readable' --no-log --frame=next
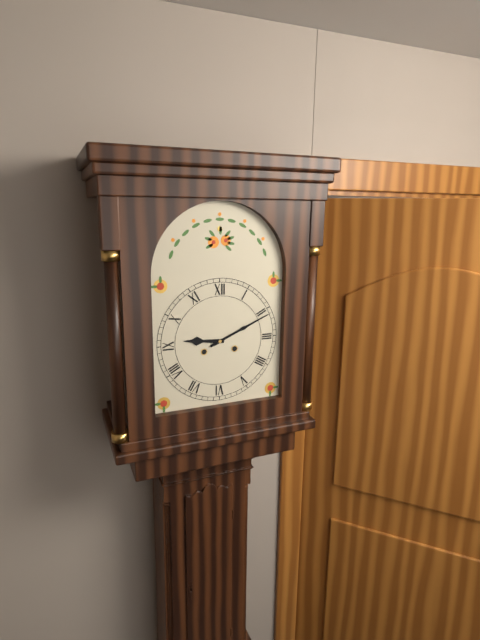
9.11
